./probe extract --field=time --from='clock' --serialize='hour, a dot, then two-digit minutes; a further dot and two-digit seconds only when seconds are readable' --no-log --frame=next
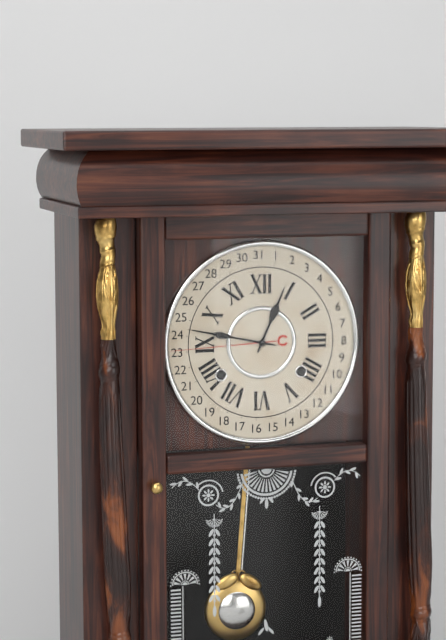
12.47
